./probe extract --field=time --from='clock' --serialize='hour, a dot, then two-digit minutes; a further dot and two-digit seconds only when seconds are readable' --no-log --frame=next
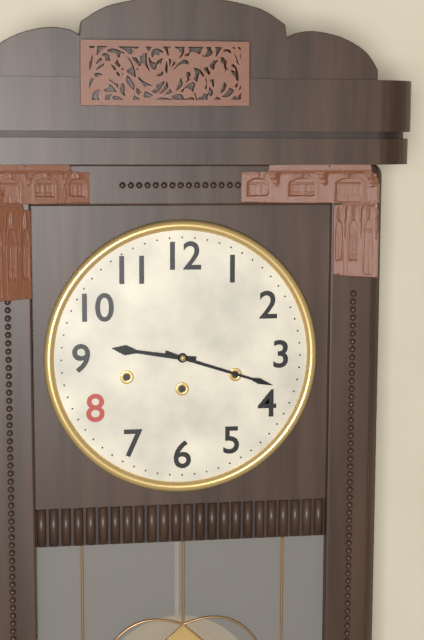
9.18
